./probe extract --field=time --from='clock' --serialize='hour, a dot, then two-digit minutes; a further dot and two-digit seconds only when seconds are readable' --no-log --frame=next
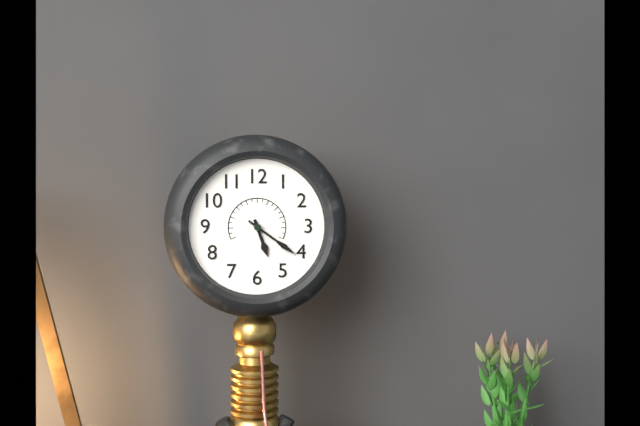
5.21
